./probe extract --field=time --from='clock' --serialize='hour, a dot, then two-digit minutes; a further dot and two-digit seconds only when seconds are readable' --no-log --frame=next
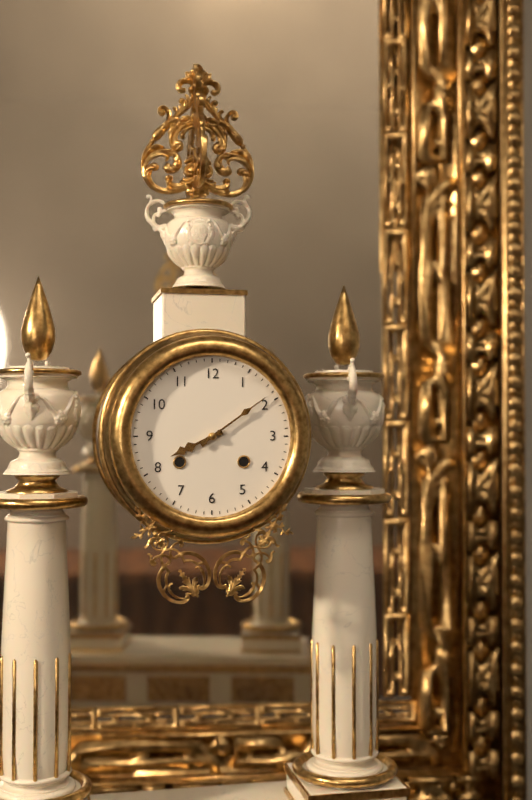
8.09
